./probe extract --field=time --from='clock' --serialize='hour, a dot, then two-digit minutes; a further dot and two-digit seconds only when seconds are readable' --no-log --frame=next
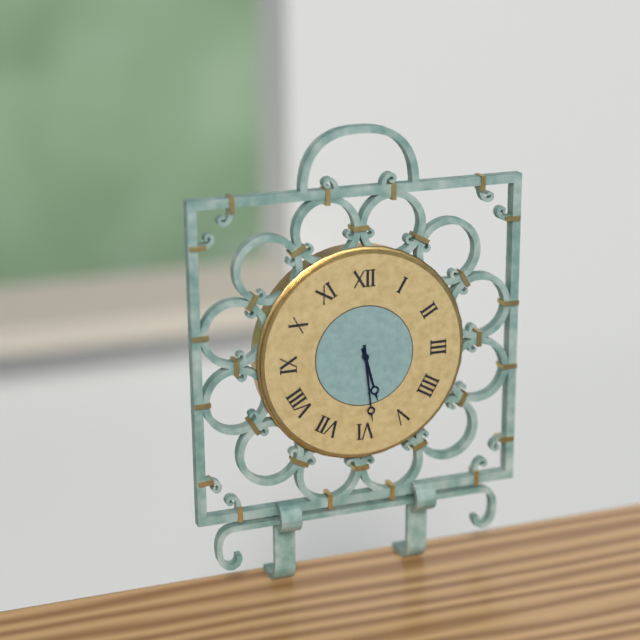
5.29
